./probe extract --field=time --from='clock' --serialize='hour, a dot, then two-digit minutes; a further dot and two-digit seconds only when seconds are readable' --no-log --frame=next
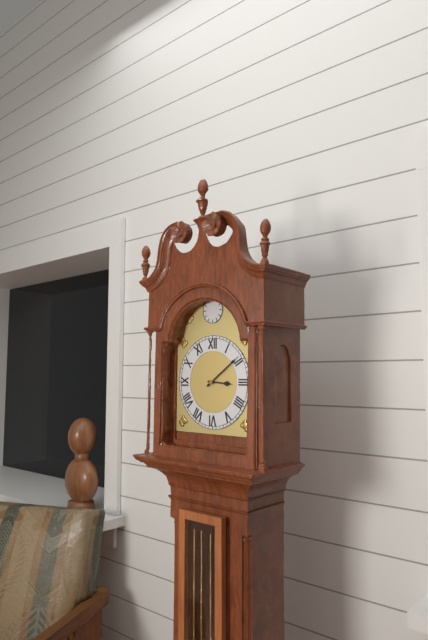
3.09
